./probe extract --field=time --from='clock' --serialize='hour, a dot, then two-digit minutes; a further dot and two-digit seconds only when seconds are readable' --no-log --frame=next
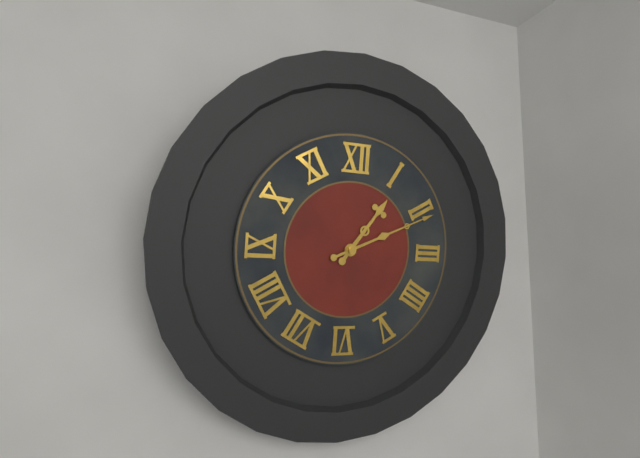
1.11
